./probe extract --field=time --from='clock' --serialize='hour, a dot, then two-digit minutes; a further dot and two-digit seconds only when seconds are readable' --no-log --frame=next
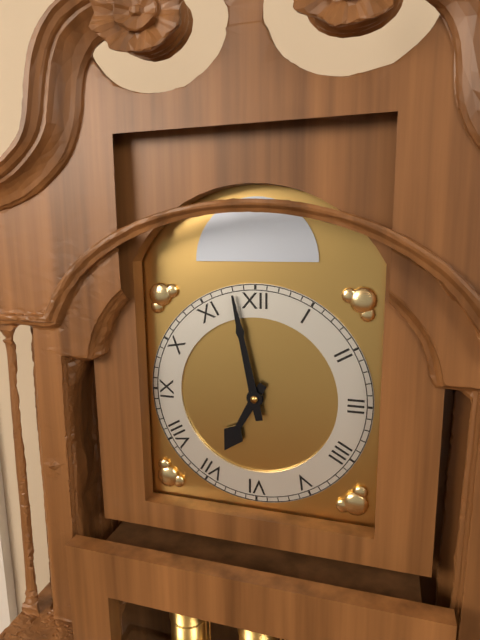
6.58
